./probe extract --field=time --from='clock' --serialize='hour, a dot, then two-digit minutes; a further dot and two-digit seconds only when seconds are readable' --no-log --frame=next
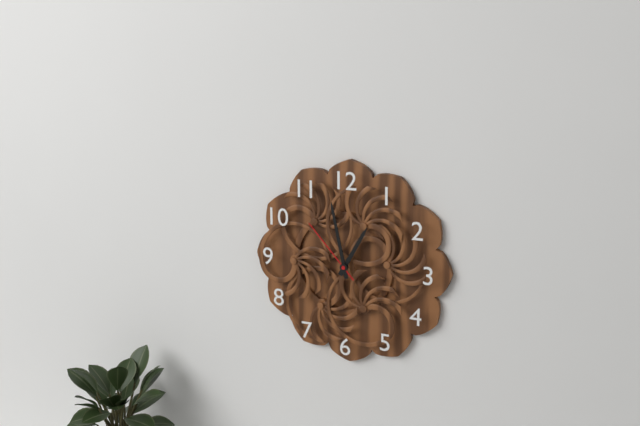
12.58.53
